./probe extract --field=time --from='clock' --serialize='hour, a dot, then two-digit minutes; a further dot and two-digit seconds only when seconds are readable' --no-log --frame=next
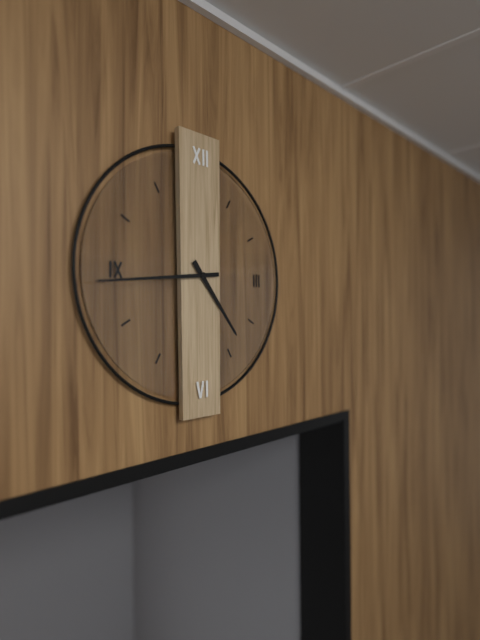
4.44
